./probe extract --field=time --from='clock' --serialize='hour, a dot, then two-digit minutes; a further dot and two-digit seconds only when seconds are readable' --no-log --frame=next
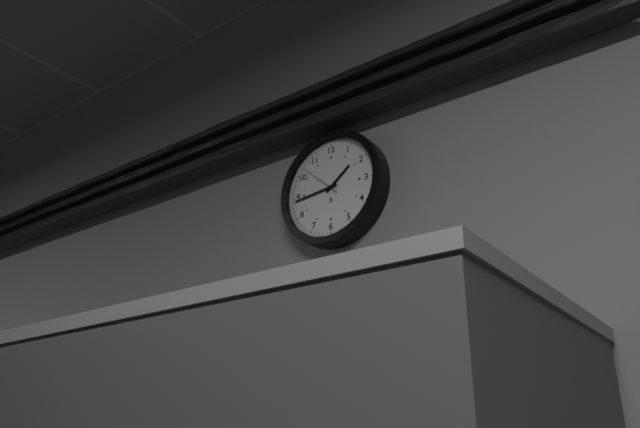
1.44
